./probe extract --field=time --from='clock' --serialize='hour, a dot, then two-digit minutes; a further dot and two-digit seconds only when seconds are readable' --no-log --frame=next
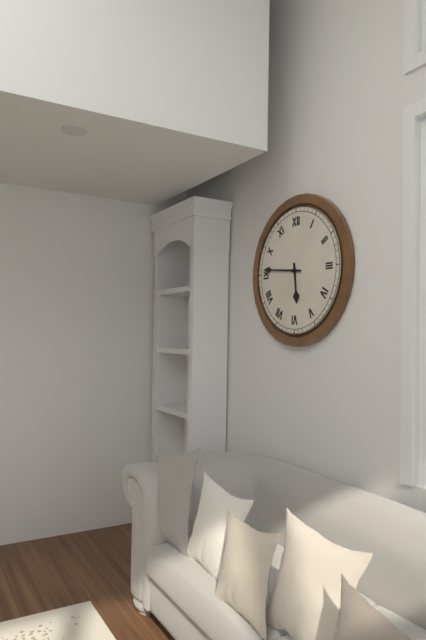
5.46
